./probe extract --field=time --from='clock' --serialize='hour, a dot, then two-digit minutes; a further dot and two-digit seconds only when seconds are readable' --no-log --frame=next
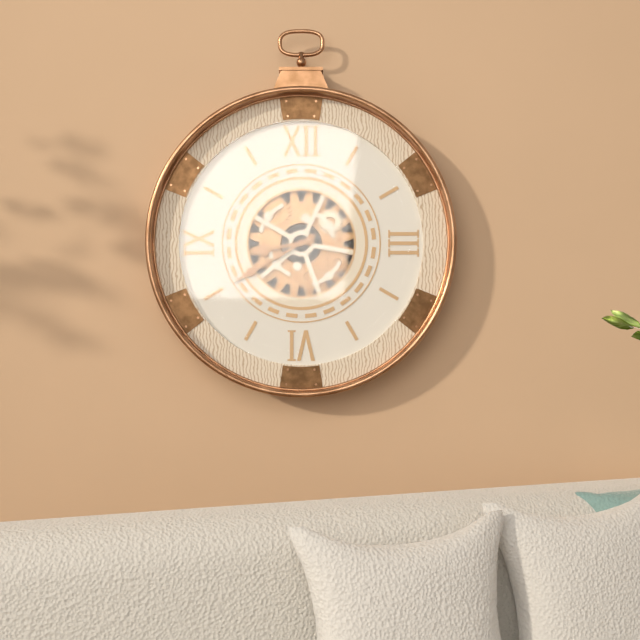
8.40
